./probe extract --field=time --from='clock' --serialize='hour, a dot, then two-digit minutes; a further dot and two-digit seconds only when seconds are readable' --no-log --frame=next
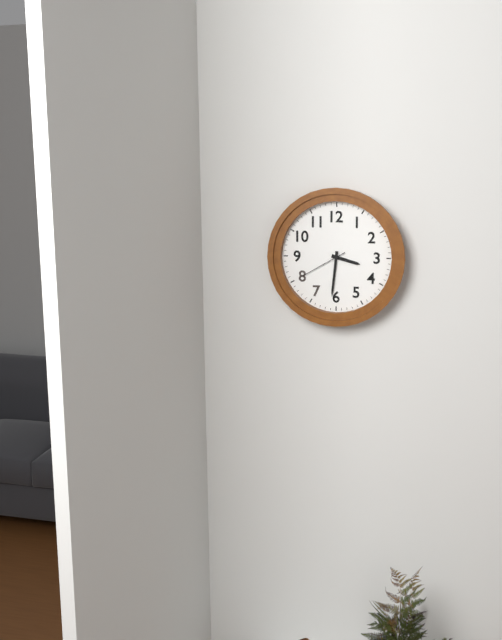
3.31.40
